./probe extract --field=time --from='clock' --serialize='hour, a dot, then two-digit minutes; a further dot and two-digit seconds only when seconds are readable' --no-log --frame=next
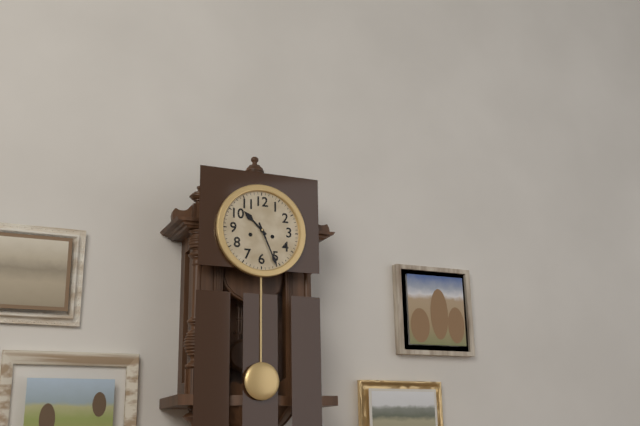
10.26
